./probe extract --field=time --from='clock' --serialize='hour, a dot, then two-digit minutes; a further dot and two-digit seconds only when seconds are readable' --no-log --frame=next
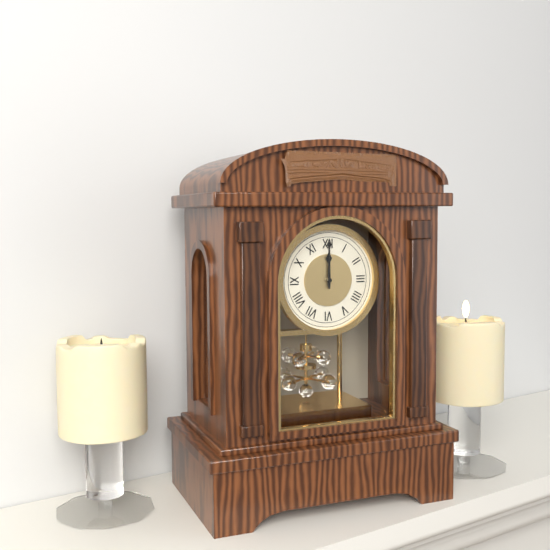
12.00
